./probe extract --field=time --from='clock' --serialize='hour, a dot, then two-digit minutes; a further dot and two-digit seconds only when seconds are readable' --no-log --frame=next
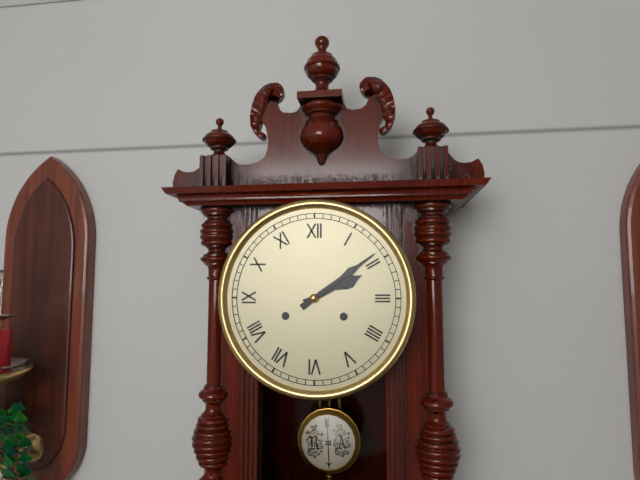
2.09
